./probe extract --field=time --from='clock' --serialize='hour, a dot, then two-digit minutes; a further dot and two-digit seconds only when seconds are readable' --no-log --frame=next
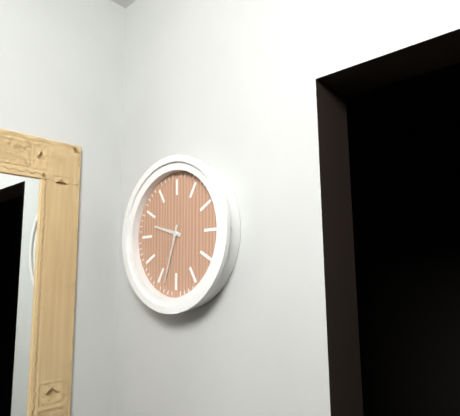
9.33
